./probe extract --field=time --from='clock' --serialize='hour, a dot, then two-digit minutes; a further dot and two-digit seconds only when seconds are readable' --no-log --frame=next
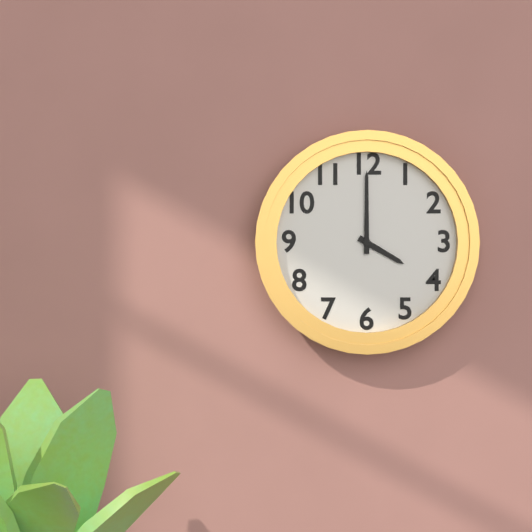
4.00
